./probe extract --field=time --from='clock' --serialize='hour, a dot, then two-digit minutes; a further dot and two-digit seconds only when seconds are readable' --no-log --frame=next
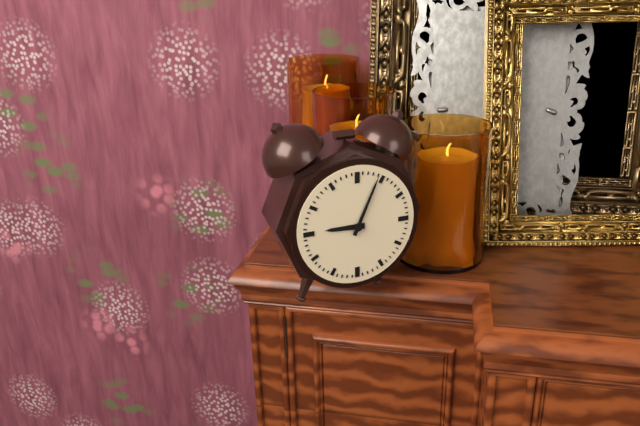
9.04
